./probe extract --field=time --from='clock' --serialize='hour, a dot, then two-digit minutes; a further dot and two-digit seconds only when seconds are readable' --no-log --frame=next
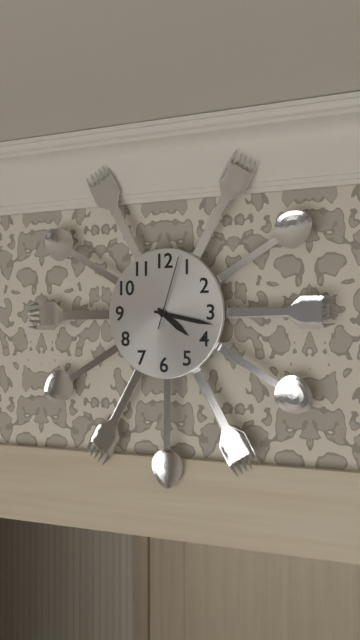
4.17.03
